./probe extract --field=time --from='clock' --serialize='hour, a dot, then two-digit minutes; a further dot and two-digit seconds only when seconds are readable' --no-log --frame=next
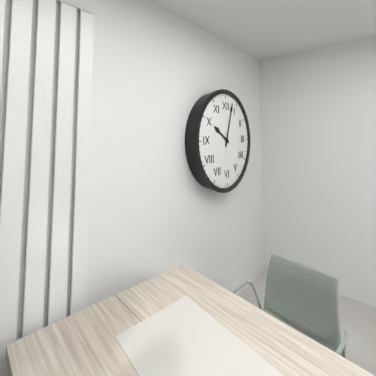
10.03
